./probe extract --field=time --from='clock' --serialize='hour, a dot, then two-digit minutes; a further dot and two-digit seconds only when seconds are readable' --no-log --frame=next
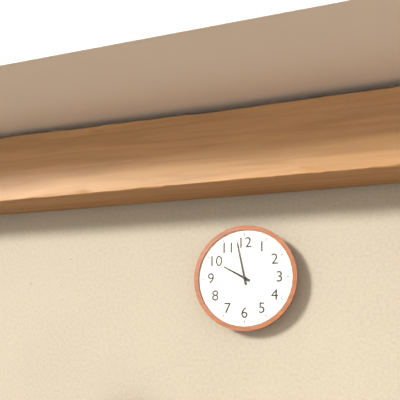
9.58
